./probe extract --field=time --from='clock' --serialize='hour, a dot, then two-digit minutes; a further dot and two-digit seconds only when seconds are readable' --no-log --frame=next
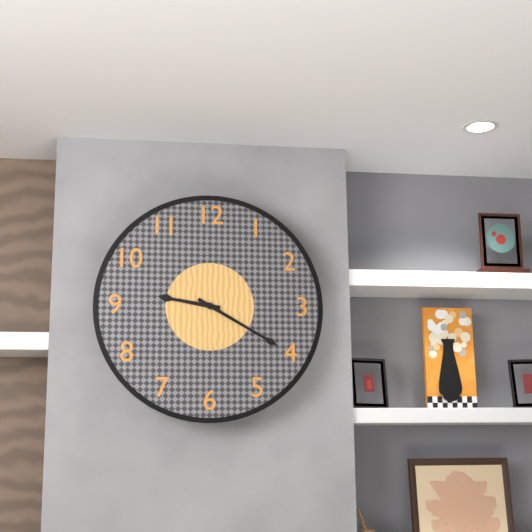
9.20
